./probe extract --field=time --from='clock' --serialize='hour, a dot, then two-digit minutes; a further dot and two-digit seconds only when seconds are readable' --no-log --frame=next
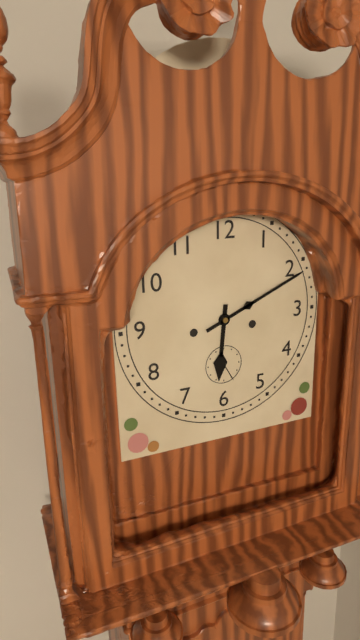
6.11
